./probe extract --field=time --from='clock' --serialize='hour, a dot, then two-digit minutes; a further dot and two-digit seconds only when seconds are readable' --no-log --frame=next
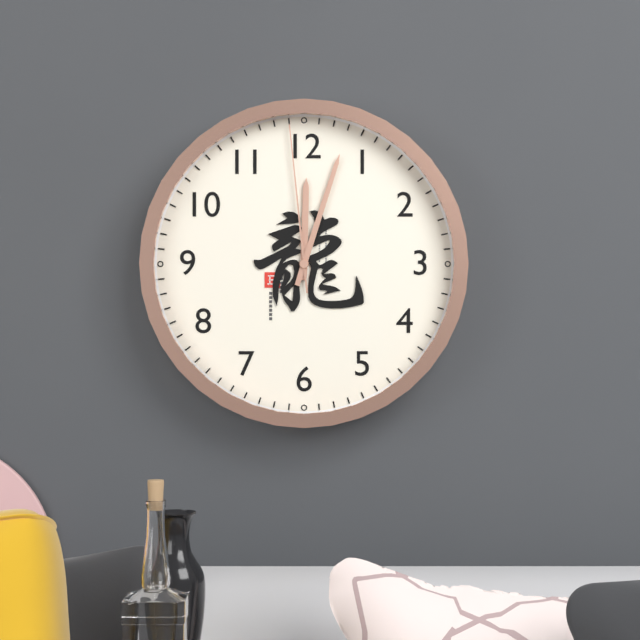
12.03.59
